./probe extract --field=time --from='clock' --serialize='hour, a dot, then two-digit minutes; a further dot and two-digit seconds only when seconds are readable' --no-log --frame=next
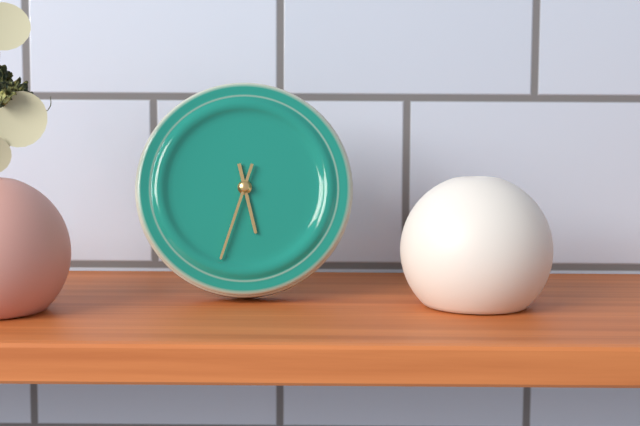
5.33
